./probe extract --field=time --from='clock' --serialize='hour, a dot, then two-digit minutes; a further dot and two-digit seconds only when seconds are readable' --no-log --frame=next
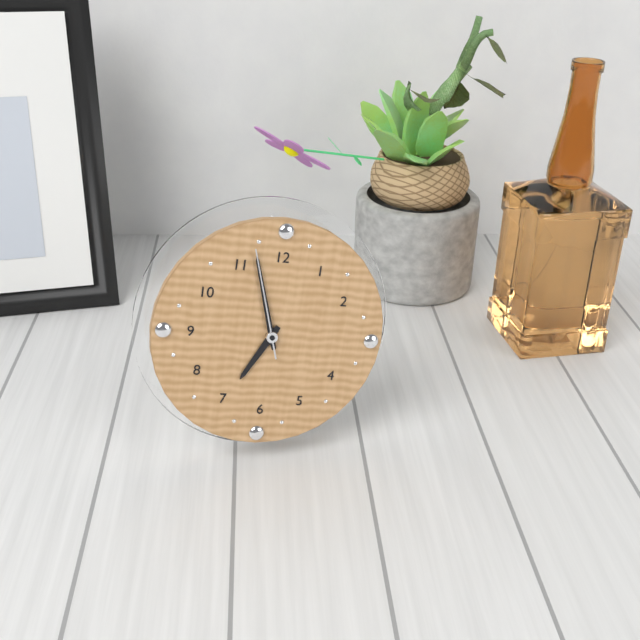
6.57.57
